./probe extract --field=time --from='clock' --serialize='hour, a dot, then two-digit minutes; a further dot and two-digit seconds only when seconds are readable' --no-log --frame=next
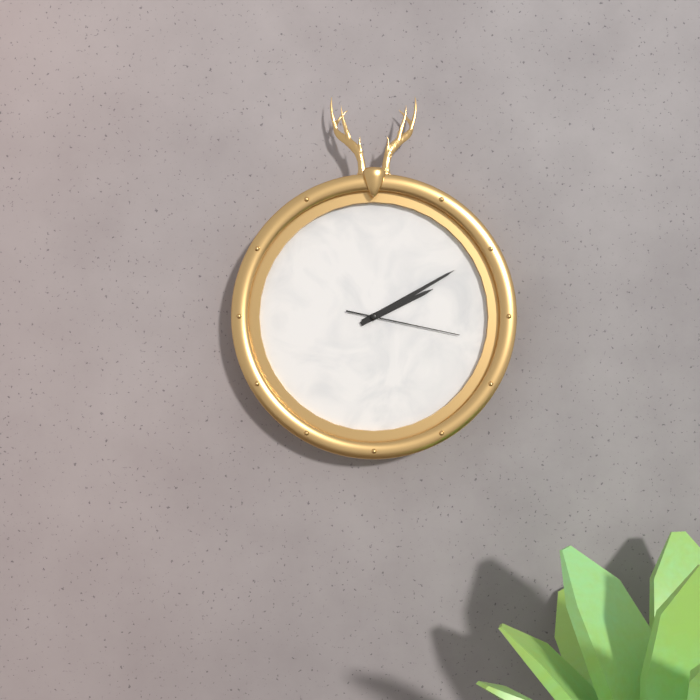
2.10.17
